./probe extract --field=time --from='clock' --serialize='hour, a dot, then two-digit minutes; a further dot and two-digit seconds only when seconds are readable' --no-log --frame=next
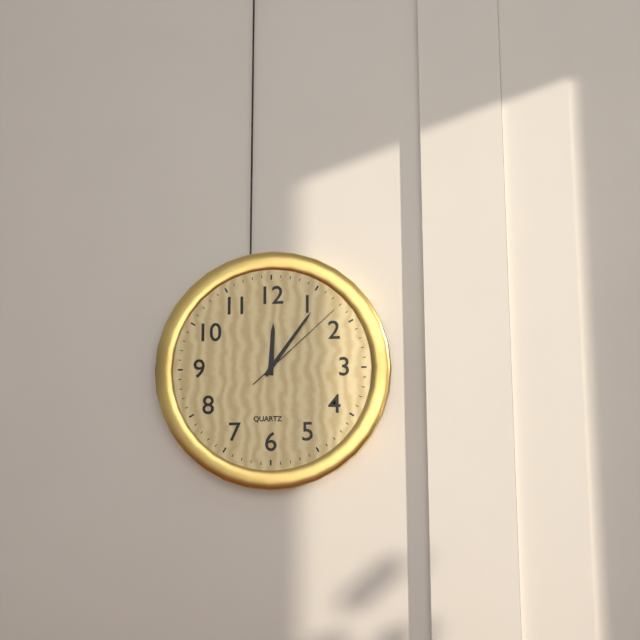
12.06.08
